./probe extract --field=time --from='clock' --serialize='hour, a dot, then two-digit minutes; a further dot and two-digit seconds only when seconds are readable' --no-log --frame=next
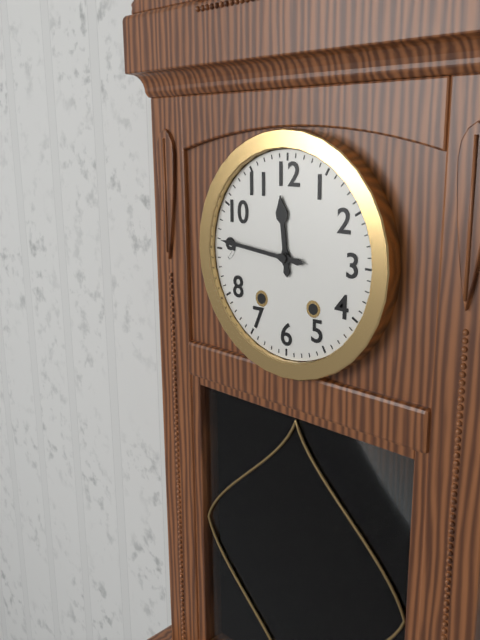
11.46
